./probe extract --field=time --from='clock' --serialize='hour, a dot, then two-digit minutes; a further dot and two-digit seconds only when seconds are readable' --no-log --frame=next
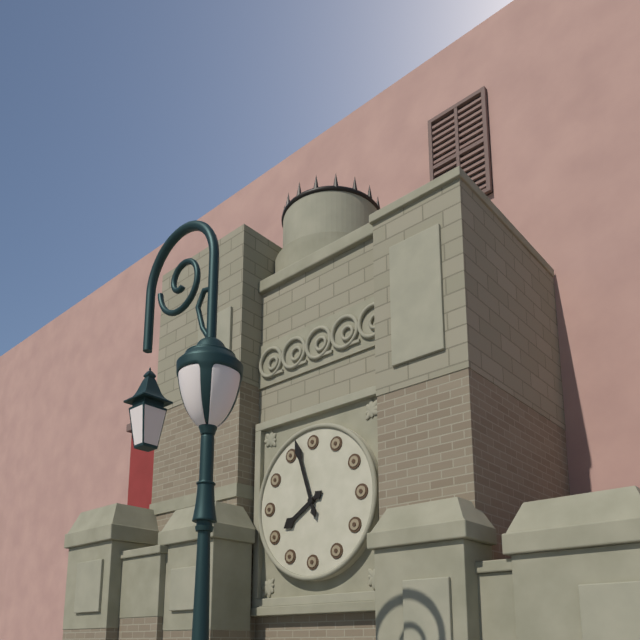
7.57
